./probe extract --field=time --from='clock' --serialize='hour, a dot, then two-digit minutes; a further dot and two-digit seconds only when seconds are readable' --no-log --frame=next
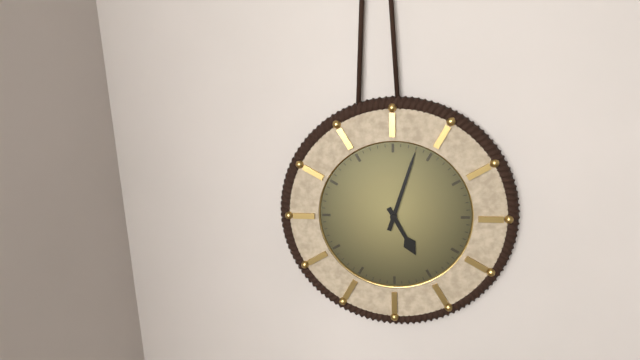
5.03
